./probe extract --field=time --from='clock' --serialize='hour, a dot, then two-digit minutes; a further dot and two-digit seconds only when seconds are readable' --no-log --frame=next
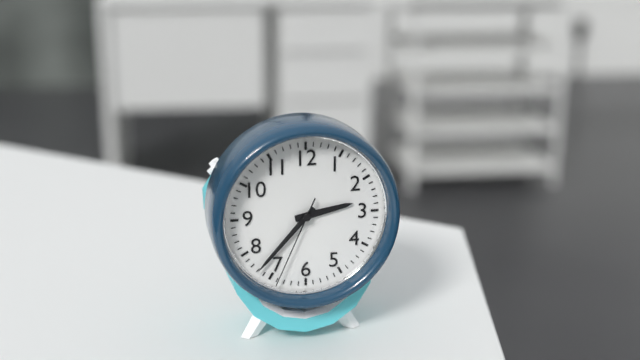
2.37.34
